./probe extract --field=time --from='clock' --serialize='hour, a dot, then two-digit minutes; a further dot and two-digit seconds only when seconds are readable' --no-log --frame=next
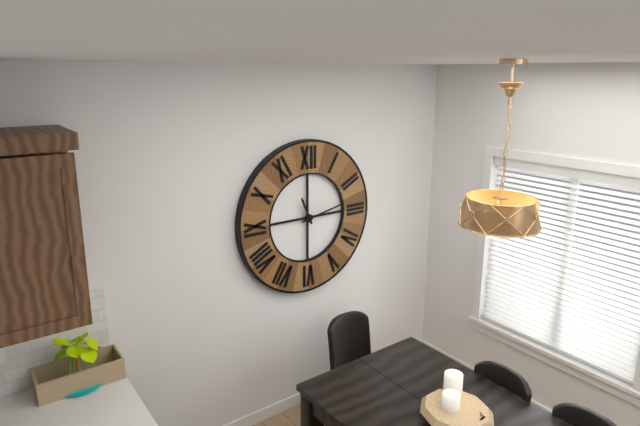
11.13
